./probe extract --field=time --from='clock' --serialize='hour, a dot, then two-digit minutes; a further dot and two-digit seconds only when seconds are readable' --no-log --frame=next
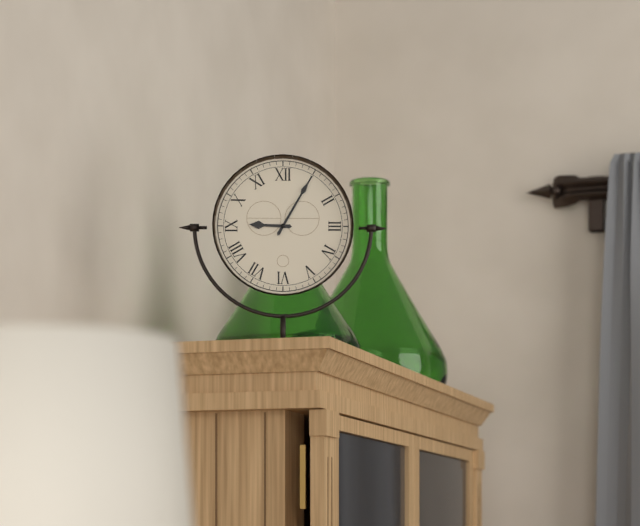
9.05
